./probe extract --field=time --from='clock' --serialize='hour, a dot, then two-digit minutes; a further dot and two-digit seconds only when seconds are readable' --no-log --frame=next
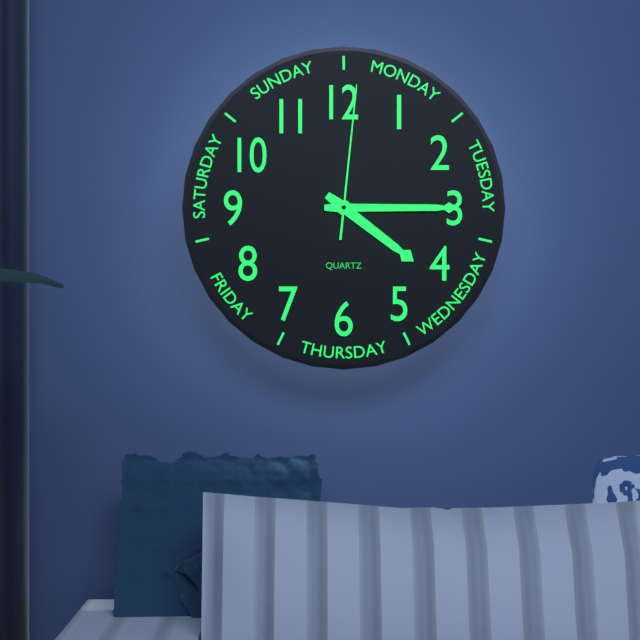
4.15.01
